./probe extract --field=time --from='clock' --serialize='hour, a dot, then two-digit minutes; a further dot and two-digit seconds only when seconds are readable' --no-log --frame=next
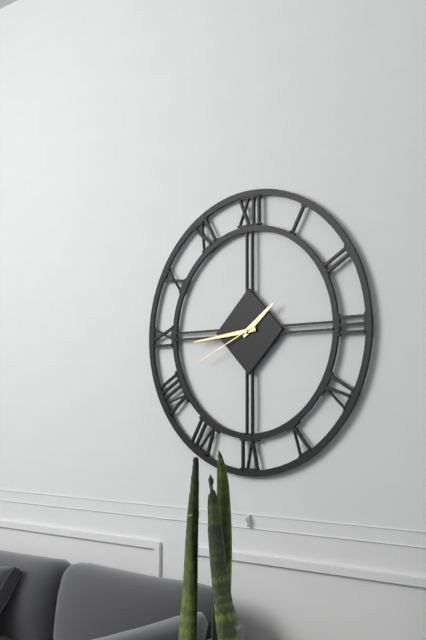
1.44.41
